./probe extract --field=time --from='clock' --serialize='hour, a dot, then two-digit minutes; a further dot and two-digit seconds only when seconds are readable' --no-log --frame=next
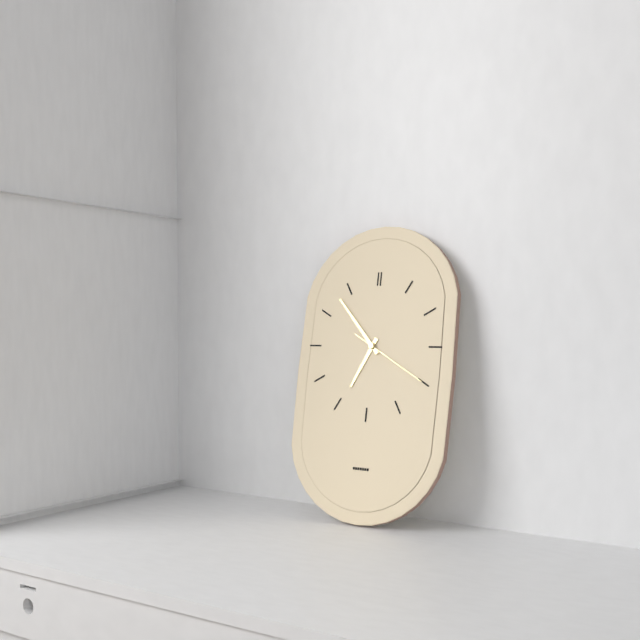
6.53.20
